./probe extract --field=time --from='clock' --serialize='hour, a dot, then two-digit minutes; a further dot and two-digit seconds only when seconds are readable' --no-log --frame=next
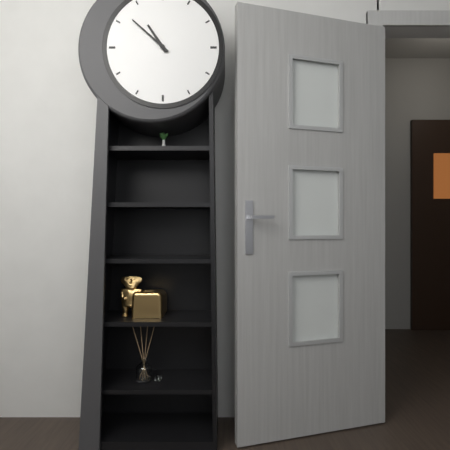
10.52
